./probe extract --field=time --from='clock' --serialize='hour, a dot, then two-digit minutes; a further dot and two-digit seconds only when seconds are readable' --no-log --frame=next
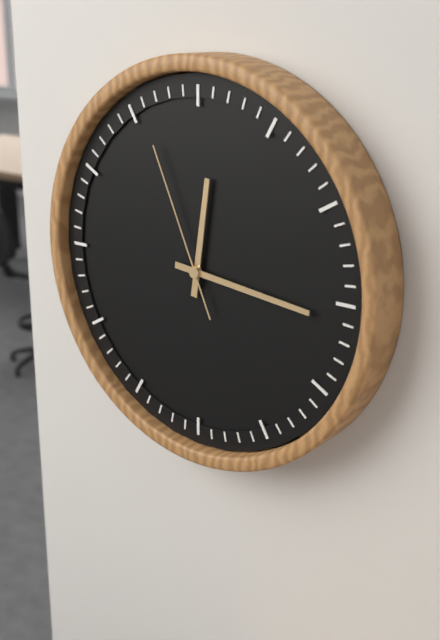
12.16.56
